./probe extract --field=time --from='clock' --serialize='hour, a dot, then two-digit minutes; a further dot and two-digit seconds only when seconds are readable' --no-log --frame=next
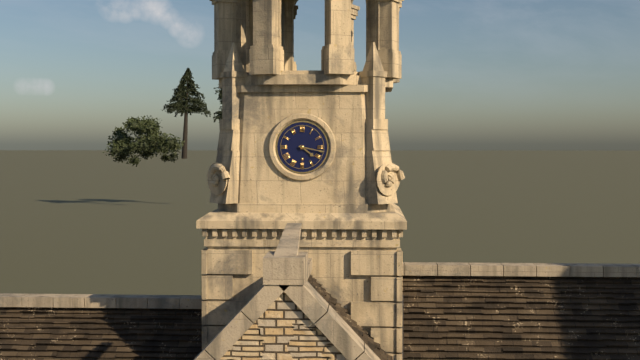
4.17
